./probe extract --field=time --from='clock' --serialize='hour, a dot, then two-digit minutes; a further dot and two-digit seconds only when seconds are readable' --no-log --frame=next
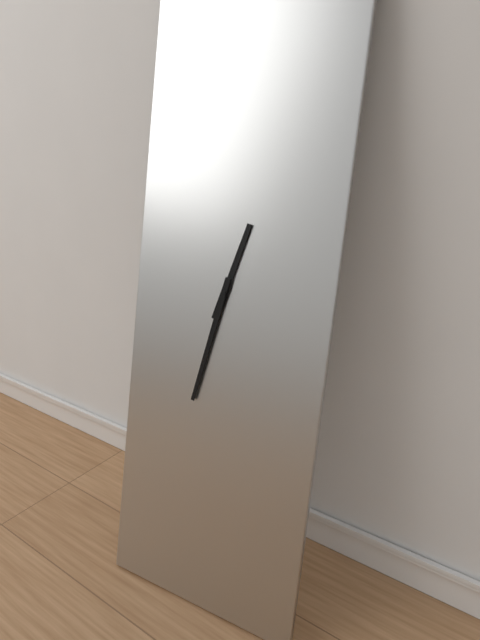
12.32
